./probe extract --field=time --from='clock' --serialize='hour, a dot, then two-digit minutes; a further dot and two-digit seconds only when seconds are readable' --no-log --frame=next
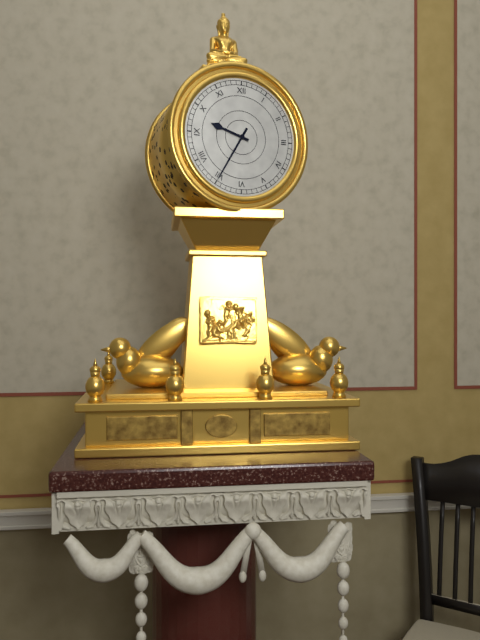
9.35
